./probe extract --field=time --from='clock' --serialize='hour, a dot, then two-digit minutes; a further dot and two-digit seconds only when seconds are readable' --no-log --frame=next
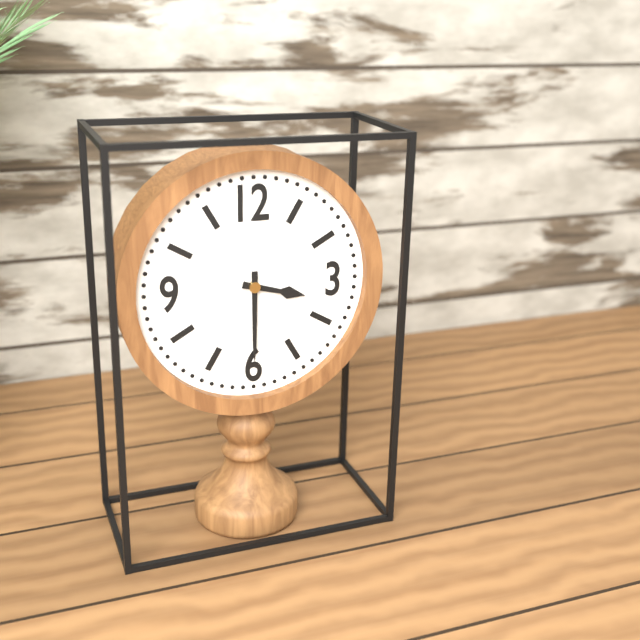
3.30
